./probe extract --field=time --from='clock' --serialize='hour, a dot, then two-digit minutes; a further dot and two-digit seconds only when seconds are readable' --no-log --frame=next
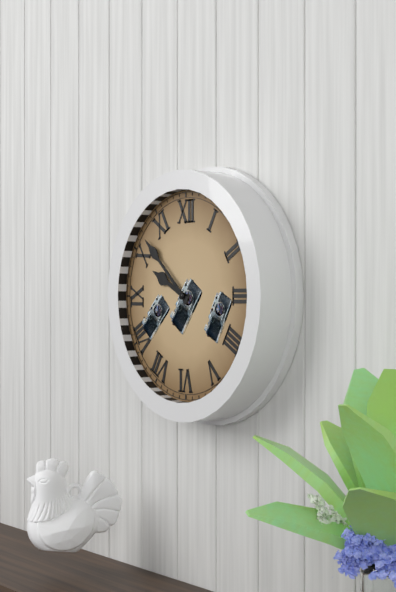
9.52
